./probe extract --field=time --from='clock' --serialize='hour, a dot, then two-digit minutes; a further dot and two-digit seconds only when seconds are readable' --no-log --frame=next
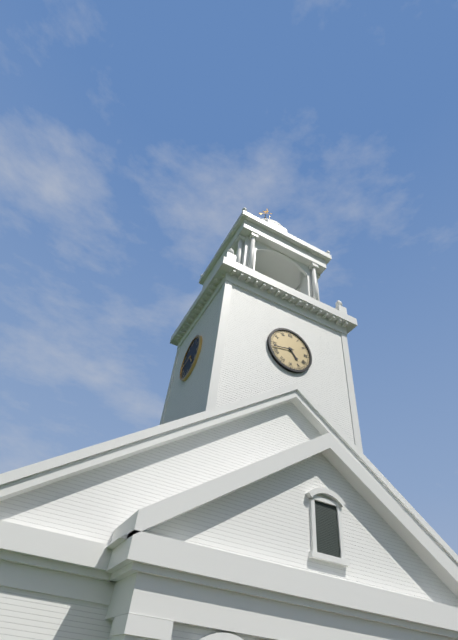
4.43
